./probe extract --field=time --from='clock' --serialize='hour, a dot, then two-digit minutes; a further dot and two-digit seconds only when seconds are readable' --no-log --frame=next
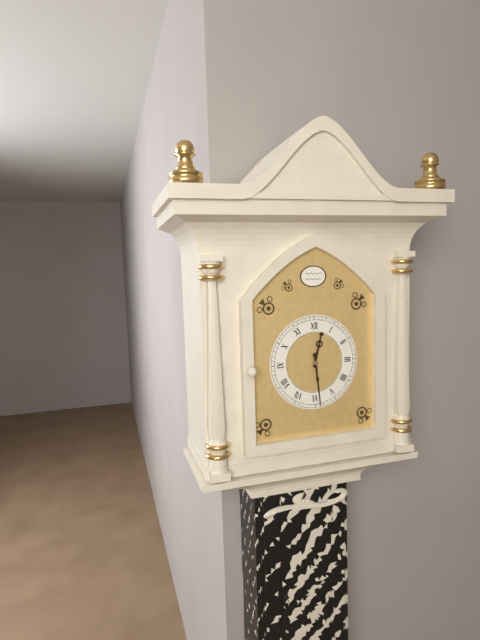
12.29
